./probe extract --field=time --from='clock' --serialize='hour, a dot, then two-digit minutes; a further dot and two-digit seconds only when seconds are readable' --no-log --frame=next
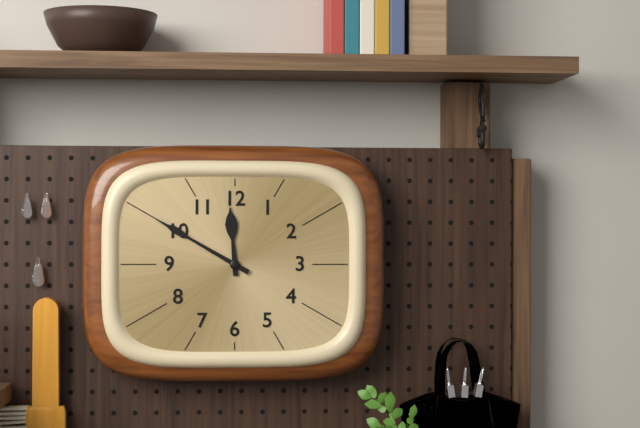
11.50
